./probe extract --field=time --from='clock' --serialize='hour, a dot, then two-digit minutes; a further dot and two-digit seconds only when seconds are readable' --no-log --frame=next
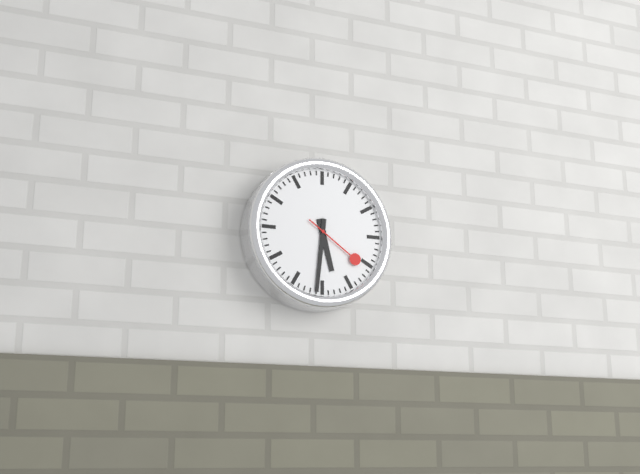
5.31.21
